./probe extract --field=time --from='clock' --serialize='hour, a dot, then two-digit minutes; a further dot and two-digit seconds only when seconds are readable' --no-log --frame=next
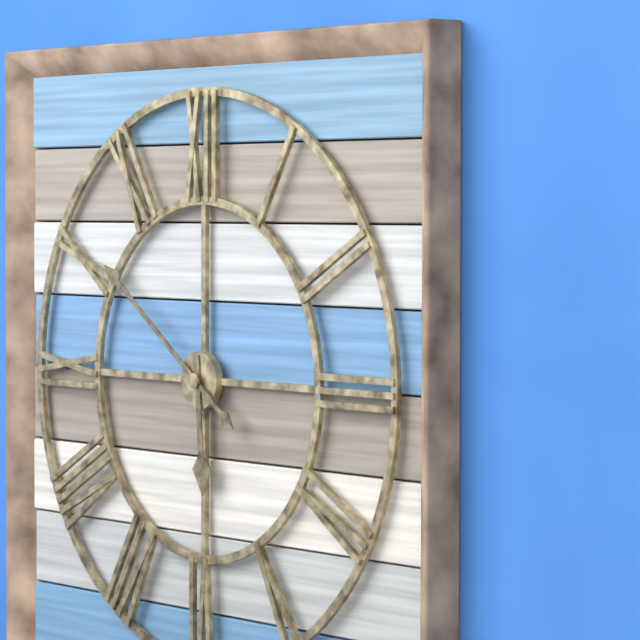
5.51
